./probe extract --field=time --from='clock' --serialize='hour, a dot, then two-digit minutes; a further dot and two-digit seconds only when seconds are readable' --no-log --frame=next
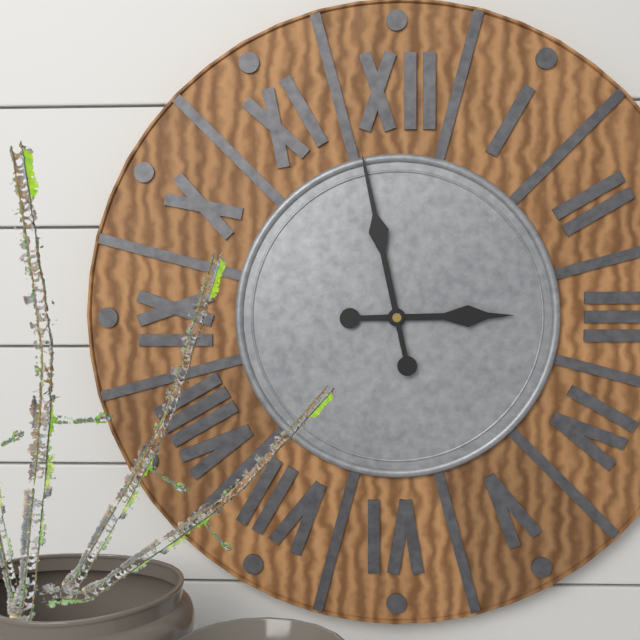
2.58
